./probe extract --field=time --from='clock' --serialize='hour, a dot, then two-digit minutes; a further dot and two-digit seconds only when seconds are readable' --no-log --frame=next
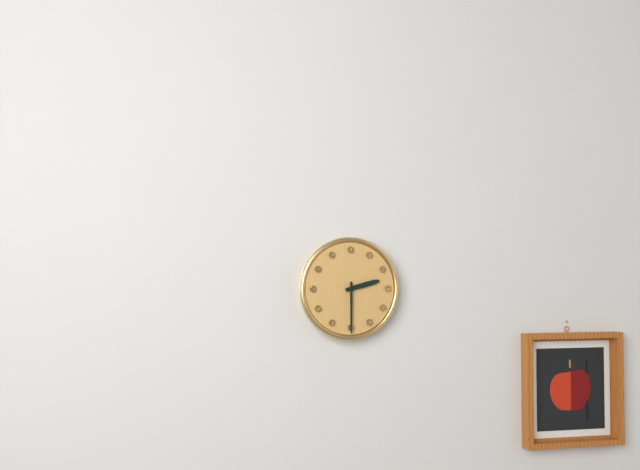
2.30
